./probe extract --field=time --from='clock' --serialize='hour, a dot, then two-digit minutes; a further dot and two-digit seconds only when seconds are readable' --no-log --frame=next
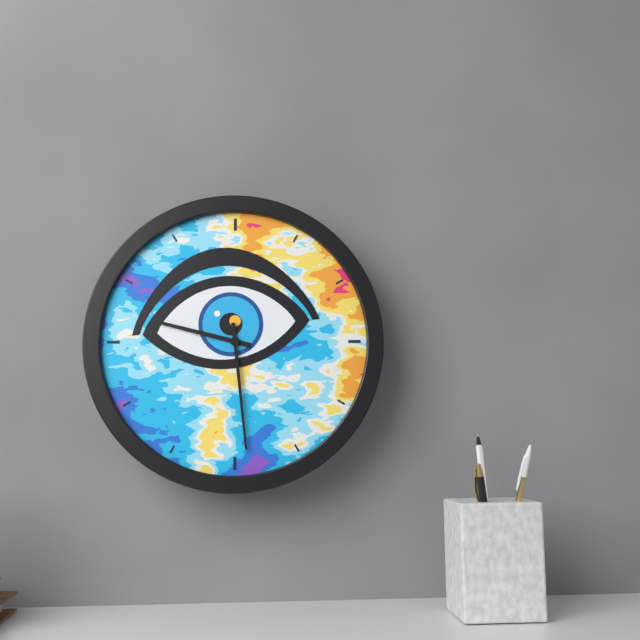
9.29
